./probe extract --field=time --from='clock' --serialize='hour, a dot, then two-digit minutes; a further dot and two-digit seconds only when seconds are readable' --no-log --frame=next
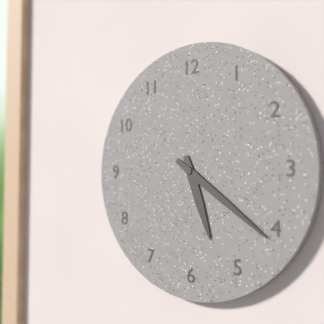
5.21
